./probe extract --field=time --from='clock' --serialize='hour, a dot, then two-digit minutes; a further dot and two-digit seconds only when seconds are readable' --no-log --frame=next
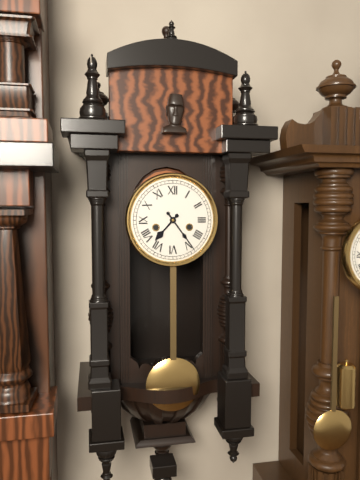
7.24
